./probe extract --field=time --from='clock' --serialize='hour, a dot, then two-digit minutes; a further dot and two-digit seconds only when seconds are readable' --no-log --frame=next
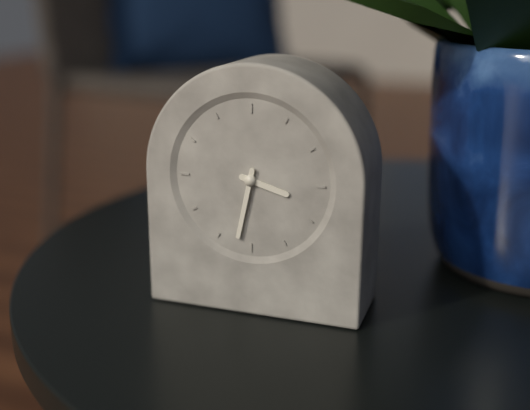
3.32
